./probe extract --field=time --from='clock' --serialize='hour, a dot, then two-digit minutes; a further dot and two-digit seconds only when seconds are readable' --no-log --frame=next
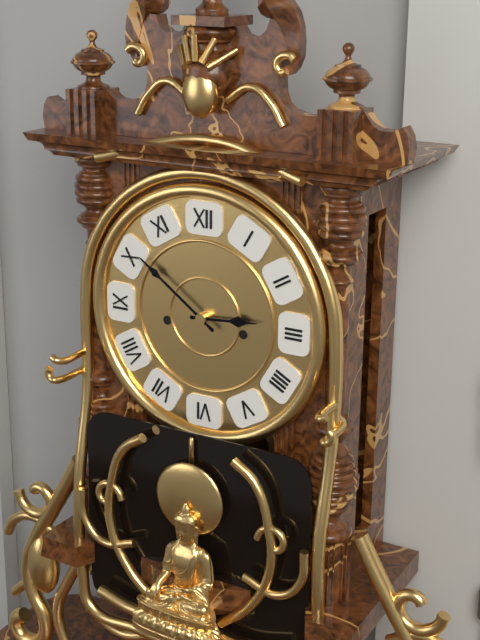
2.51
